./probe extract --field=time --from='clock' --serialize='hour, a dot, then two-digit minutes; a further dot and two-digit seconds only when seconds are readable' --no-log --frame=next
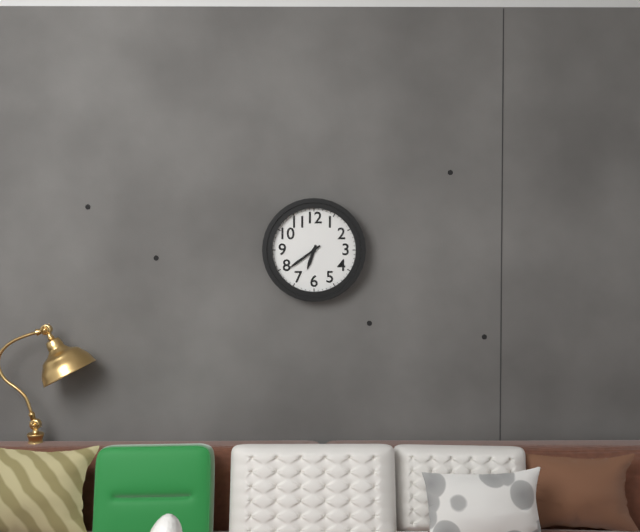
6.39
